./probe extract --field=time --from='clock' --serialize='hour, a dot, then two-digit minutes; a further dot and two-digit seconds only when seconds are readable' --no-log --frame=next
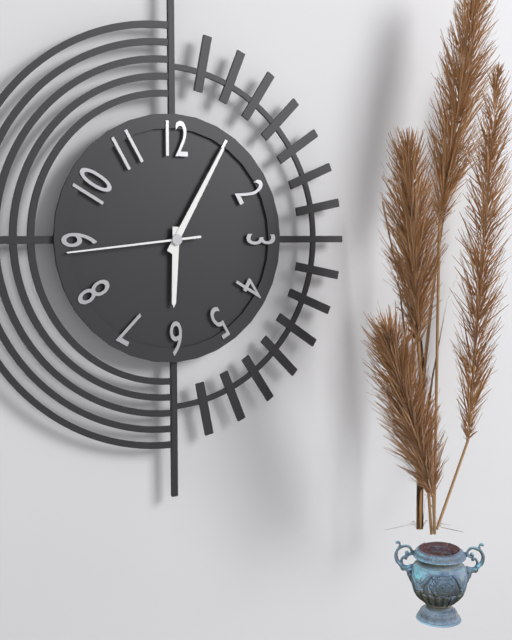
6.05.44
